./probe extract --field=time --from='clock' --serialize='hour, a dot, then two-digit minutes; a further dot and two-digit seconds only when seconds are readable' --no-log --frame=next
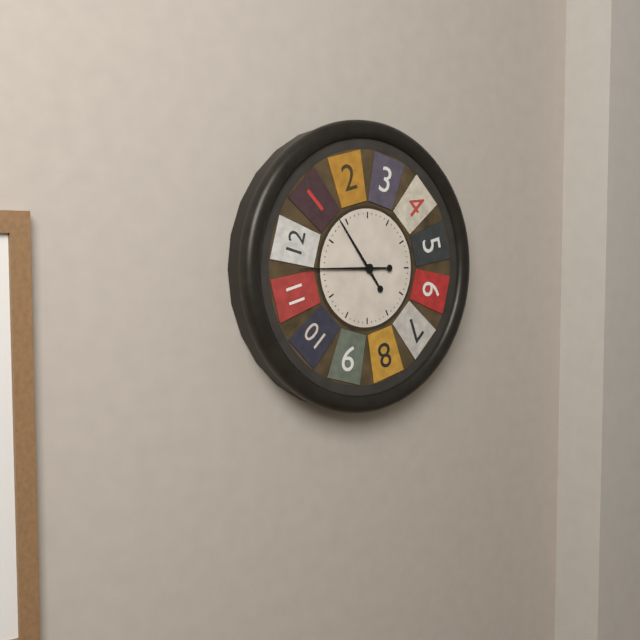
10.45
